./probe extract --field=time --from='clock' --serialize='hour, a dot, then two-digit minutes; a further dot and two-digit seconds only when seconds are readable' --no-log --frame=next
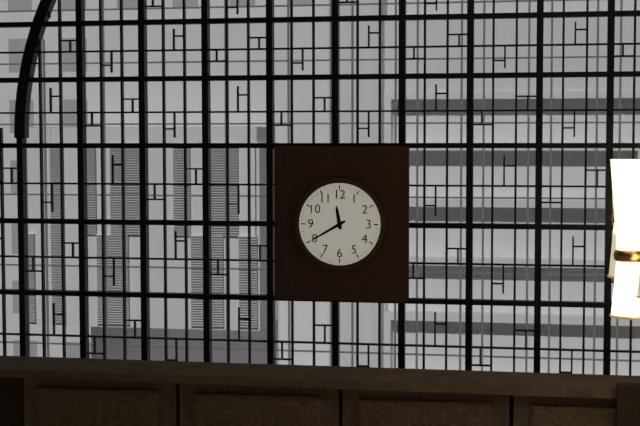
11.40
